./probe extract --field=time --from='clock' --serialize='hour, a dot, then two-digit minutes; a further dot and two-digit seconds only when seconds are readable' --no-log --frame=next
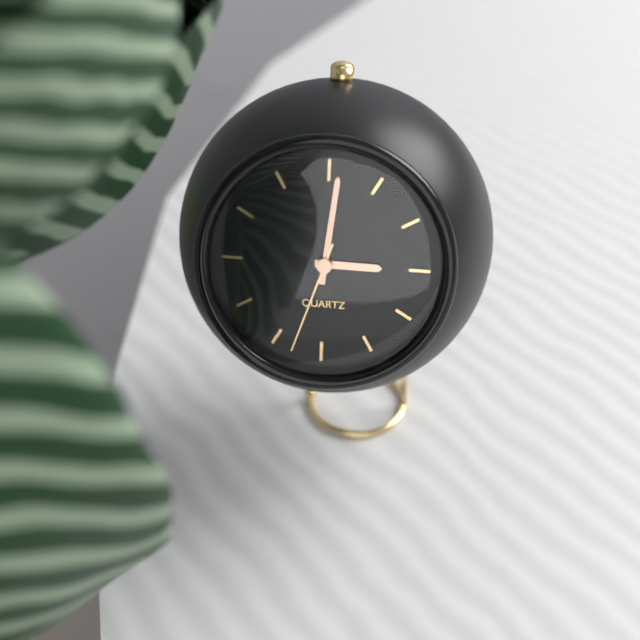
3.01.33
